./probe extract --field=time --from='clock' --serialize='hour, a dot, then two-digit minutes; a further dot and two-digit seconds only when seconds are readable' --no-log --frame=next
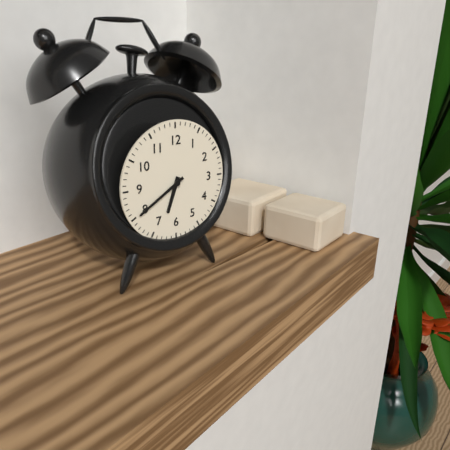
6.40
